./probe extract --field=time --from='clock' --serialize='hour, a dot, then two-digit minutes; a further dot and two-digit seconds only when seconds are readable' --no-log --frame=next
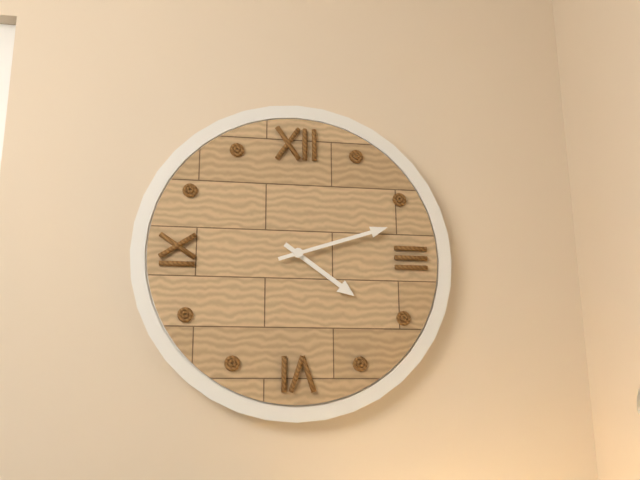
4.12
